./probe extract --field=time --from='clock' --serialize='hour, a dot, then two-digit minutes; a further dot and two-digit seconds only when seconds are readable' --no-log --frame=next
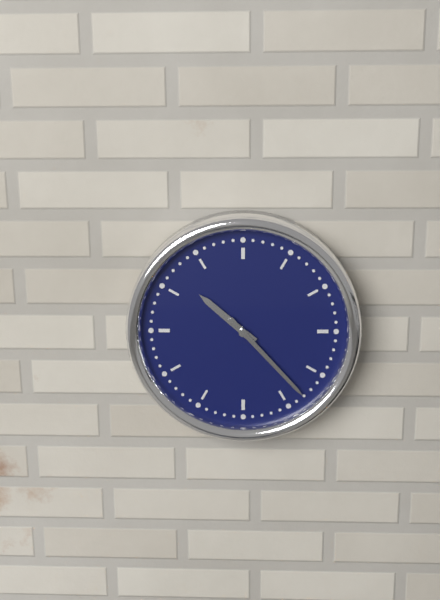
10.23
